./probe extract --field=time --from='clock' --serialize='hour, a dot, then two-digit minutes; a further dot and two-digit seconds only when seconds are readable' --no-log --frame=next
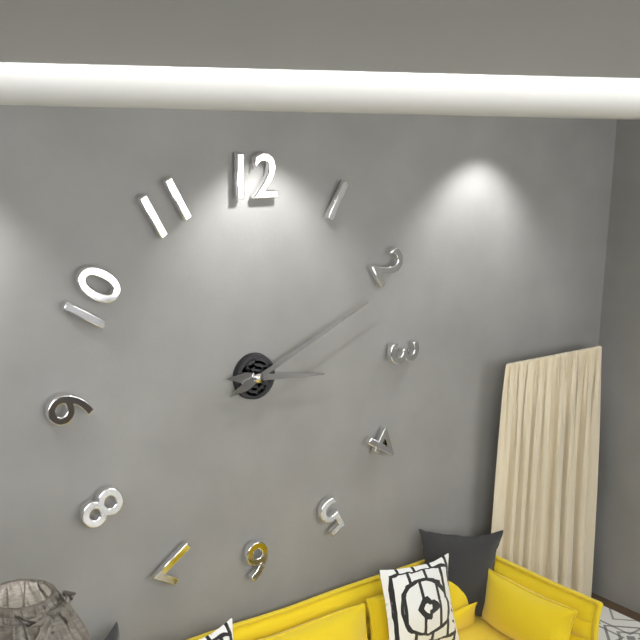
3.11
